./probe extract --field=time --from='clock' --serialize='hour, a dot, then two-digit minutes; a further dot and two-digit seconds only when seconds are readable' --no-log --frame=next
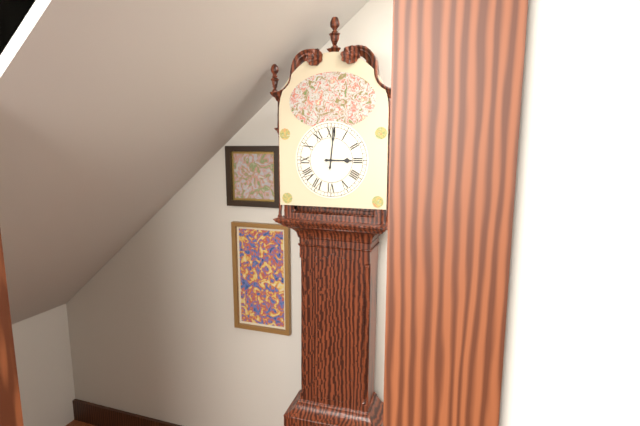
3.01
